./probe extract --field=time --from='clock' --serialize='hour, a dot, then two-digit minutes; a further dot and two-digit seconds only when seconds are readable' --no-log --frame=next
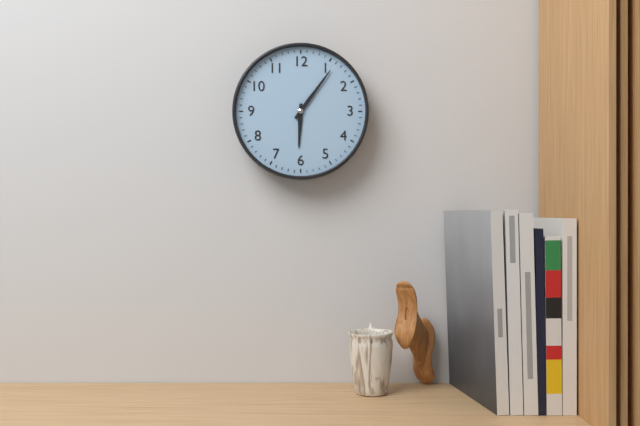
6.06
